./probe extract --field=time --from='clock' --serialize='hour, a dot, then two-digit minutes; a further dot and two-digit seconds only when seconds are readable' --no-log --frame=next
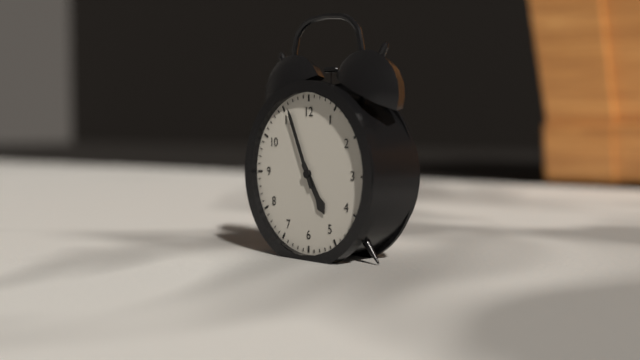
4.56
